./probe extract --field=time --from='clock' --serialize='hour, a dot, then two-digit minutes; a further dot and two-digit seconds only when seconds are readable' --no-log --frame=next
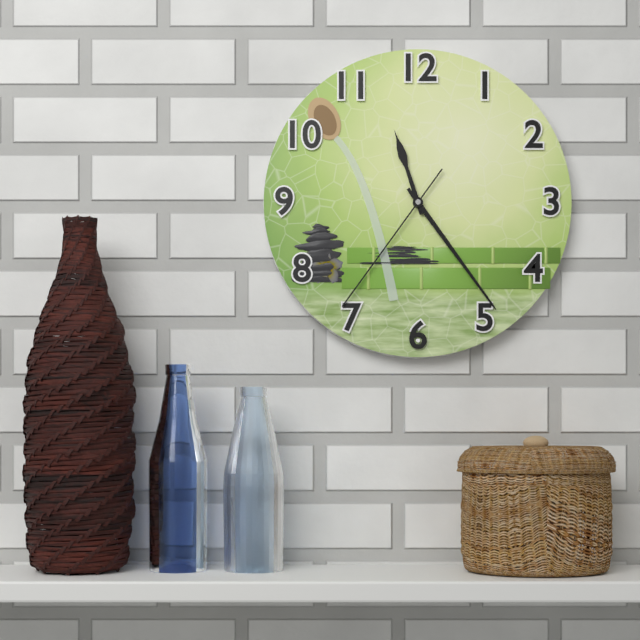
11.24.36
